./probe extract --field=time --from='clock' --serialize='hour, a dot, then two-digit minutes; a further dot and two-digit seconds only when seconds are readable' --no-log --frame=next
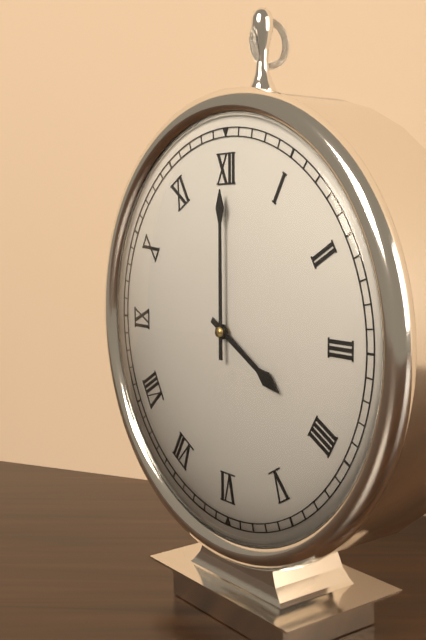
4.00
